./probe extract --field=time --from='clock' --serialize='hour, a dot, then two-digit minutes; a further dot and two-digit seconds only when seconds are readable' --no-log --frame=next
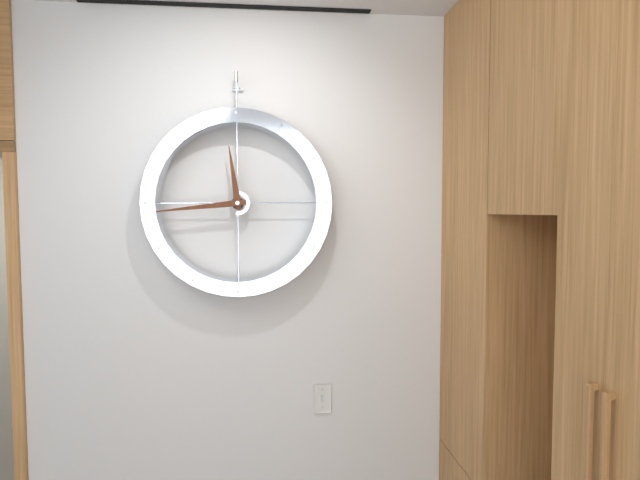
11.44
